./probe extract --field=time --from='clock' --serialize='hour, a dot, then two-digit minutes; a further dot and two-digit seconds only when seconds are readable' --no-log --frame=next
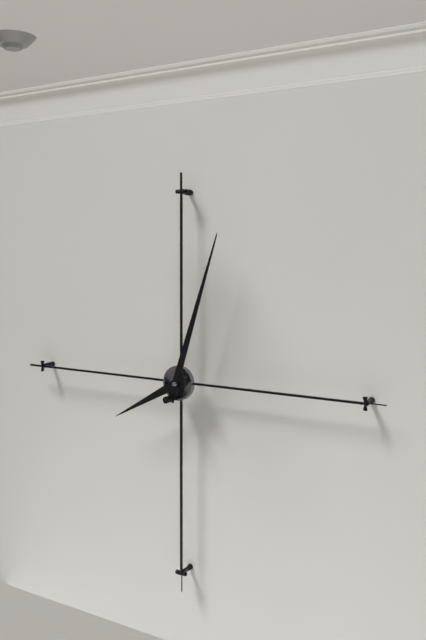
8.03
